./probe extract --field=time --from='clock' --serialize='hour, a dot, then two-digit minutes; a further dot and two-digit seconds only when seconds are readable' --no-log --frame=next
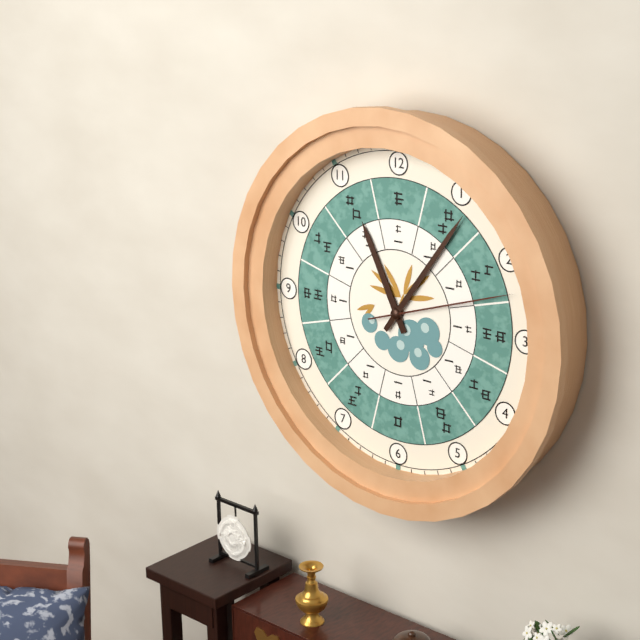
11.06.12
